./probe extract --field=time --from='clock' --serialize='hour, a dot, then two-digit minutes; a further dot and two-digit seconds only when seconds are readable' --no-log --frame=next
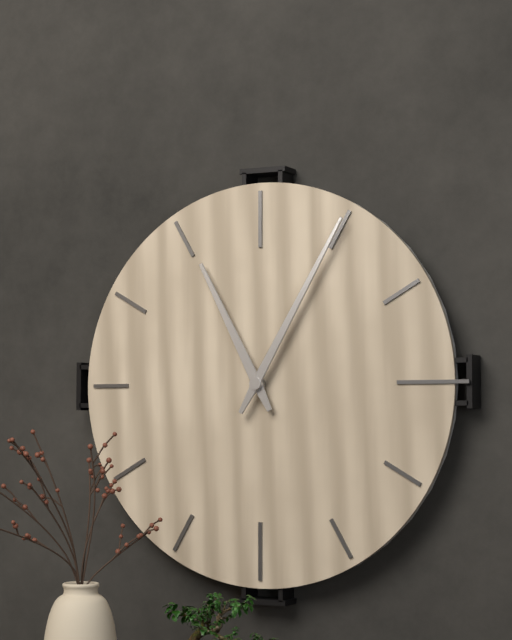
11.05
